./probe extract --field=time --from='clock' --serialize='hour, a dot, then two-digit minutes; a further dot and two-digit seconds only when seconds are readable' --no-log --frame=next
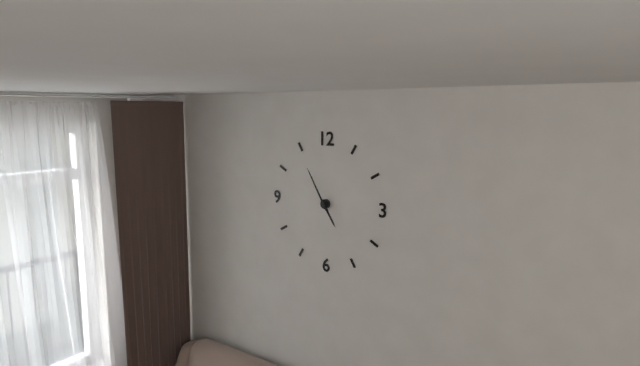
4.55
